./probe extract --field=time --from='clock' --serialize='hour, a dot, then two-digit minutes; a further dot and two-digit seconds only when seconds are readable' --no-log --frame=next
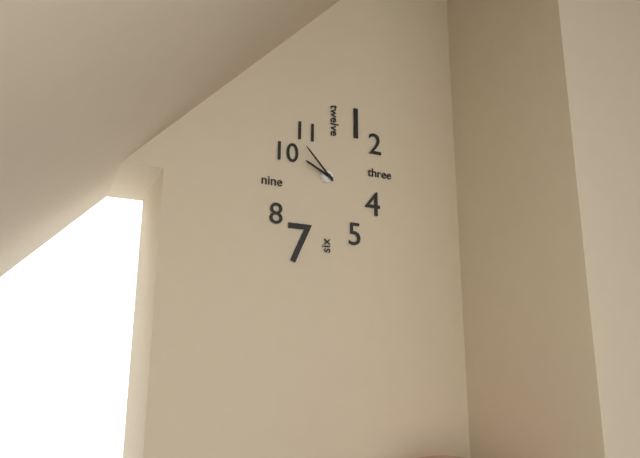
9.53
